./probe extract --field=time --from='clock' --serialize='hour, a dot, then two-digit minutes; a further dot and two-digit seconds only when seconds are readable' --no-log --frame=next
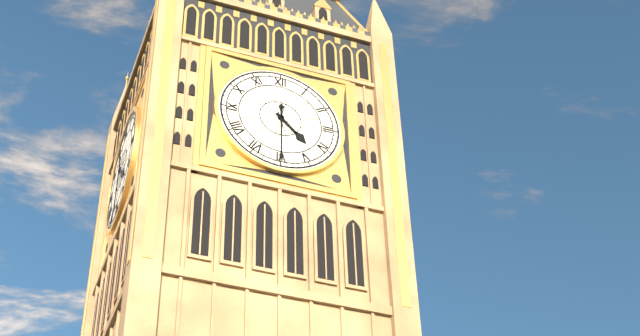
4.30
